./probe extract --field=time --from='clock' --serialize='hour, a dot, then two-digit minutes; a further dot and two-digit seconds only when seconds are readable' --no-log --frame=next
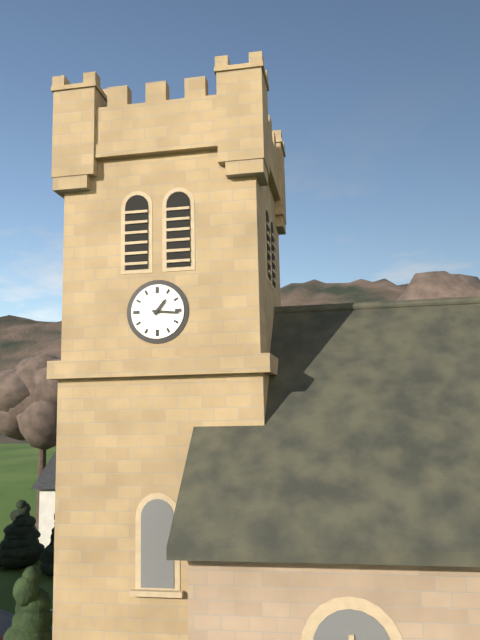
1.16
